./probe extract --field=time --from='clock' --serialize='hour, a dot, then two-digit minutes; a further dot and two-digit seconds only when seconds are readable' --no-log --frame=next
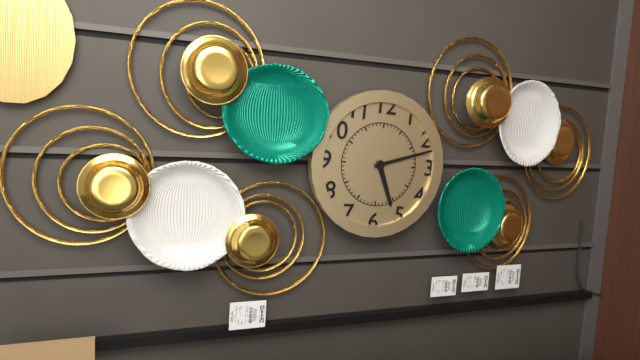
5.12
